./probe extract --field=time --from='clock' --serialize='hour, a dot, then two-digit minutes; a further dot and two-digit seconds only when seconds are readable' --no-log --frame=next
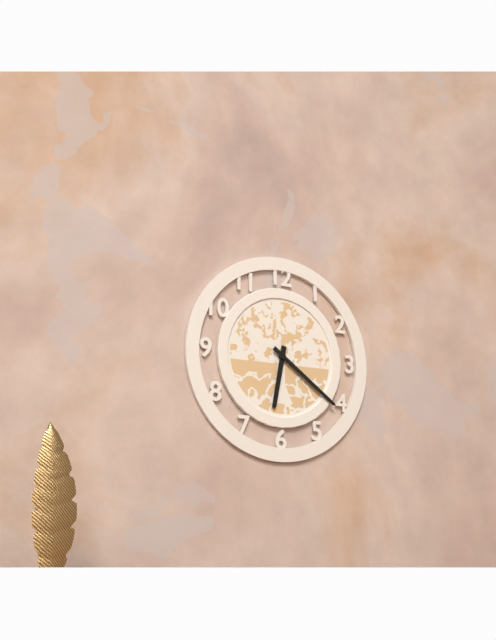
6.21
